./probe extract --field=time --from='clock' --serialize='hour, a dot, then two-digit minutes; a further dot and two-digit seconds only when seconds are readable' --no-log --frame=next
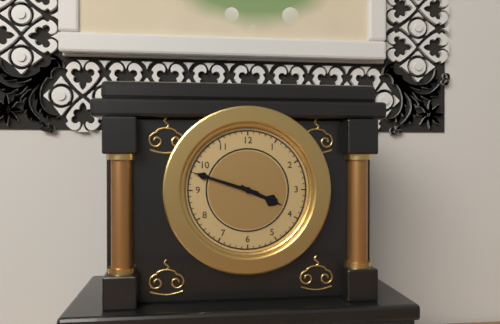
3.48
